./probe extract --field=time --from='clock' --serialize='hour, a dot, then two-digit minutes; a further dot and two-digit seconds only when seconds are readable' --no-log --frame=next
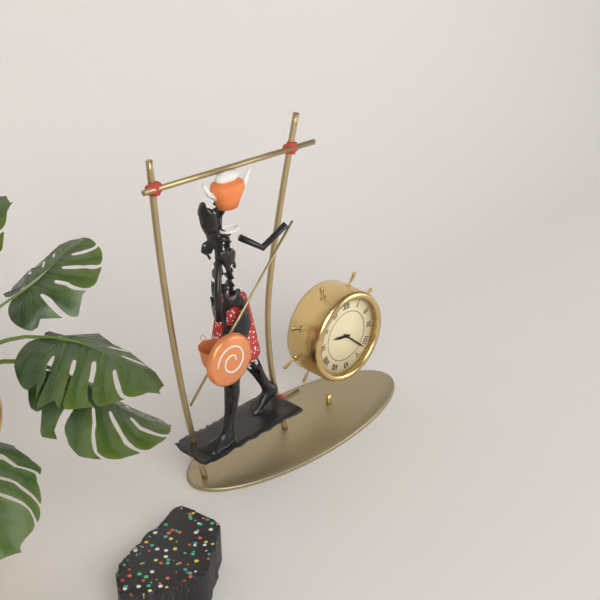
9.22
